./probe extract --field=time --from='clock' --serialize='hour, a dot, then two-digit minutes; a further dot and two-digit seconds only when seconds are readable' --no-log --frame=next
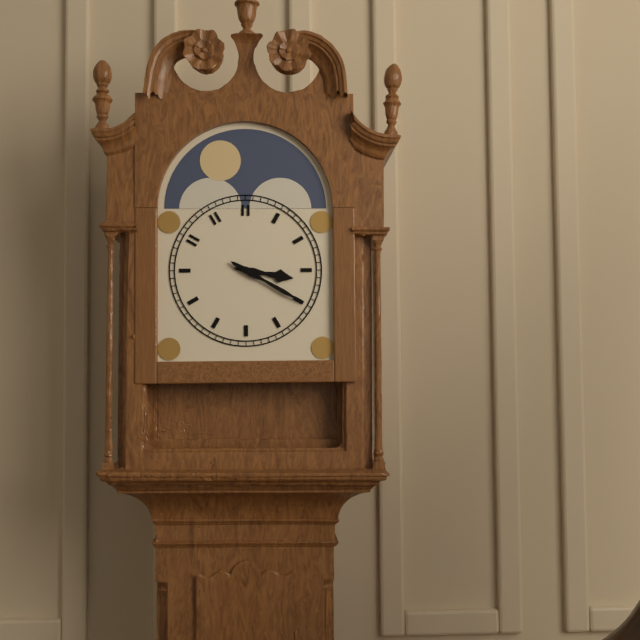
3.20
